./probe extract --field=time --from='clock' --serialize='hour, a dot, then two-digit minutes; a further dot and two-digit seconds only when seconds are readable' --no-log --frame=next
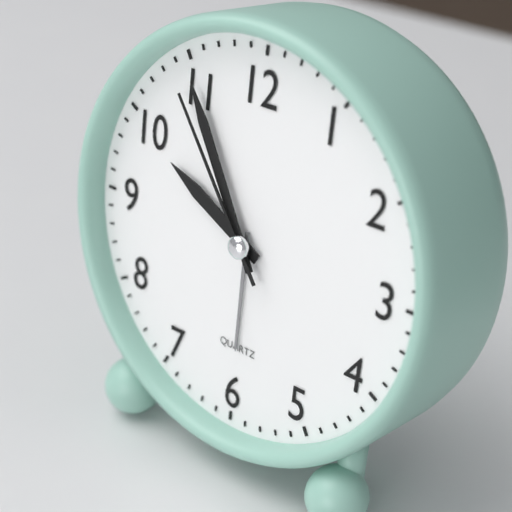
9.55.54
